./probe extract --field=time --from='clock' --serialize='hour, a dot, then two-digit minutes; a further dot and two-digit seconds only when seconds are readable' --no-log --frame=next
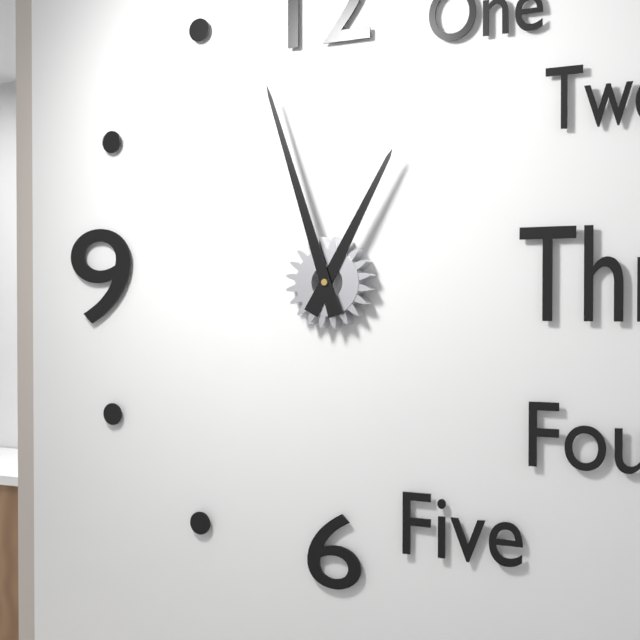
12.57
